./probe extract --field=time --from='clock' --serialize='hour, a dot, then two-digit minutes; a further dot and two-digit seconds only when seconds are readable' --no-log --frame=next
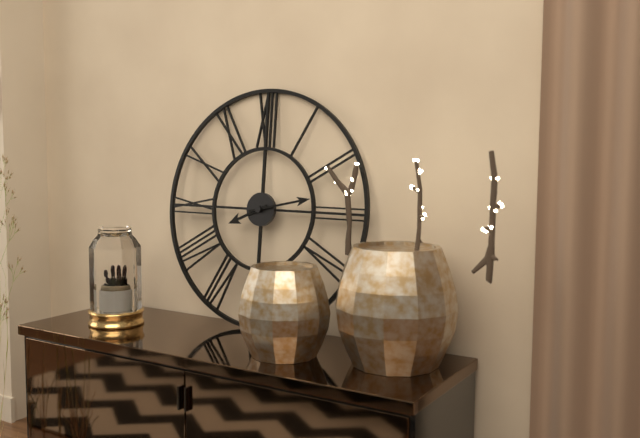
8.13
